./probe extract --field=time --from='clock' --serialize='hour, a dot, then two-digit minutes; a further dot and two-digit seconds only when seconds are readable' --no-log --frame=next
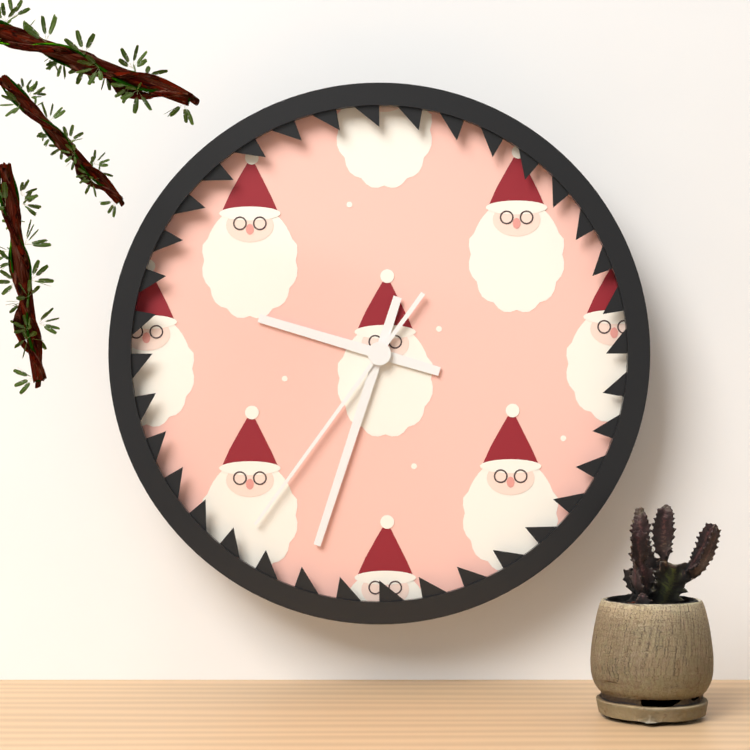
9.33.36
